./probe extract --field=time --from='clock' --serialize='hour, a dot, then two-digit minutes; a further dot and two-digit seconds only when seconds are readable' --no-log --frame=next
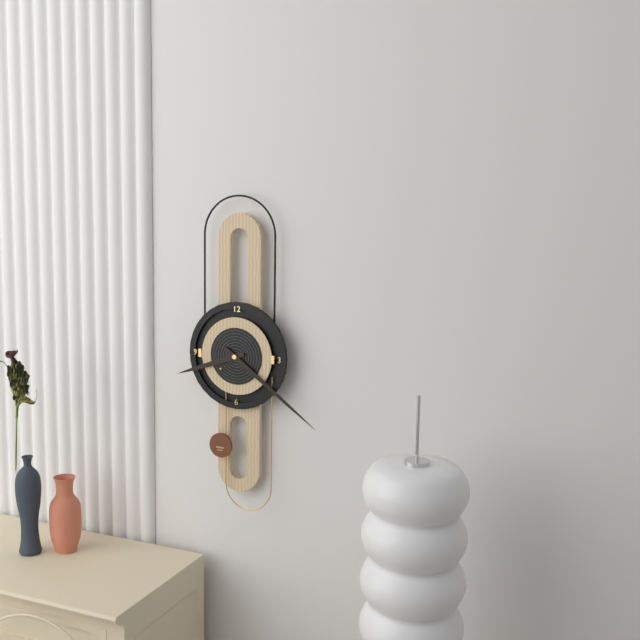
8.21
